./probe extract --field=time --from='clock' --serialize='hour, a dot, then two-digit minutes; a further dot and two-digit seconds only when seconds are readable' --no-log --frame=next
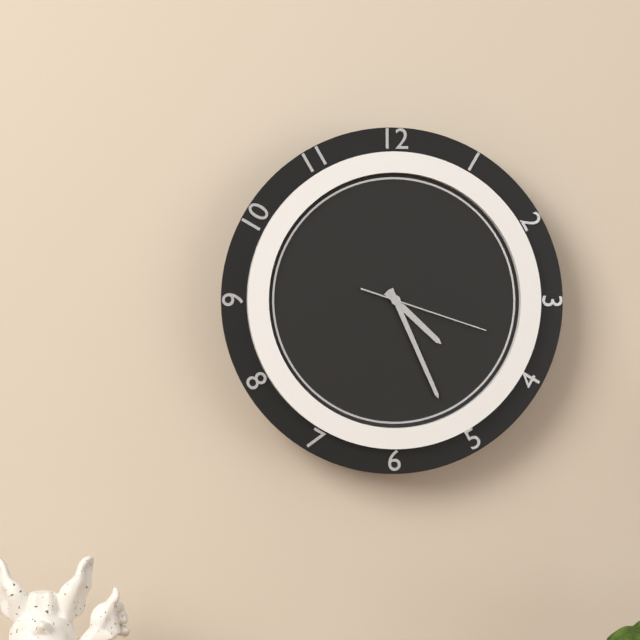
4.26.18
